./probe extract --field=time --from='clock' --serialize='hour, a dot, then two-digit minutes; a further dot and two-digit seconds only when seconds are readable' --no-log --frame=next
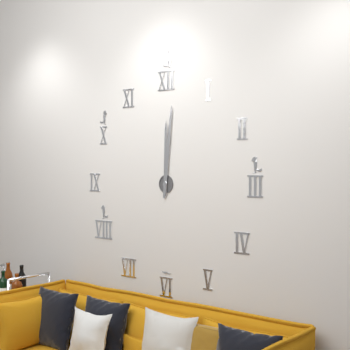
12.01
